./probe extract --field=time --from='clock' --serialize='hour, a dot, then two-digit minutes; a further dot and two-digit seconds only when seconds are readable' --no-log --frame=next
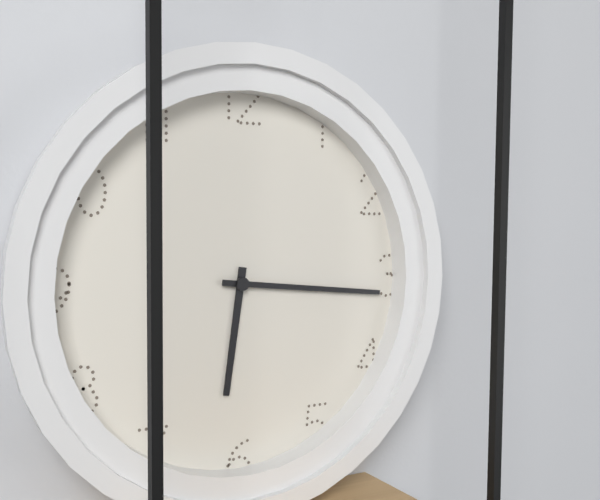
6.16
